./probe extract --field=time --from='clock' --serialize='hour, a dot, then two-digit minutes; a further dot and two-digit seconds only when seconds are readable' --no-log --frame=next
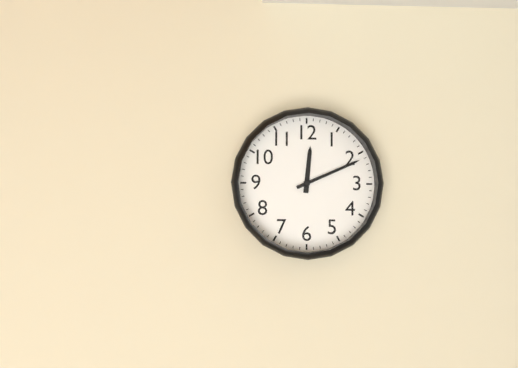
12.11
